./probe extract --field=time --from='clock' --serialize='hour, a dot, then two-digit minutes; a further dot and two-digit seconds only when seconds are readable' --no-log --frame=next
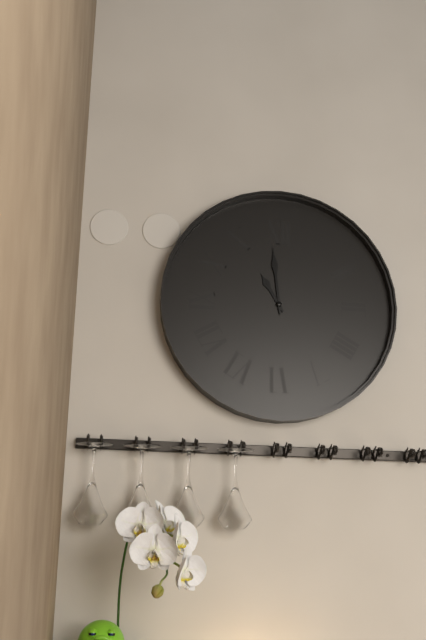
10.59
